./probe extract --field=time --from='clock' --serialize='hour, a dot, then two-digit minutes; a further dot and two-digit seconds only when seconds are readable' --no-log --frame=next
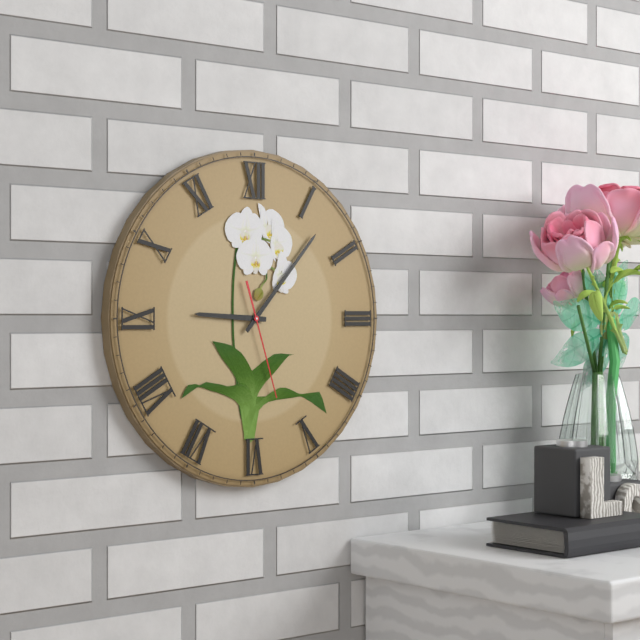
9.07.27
